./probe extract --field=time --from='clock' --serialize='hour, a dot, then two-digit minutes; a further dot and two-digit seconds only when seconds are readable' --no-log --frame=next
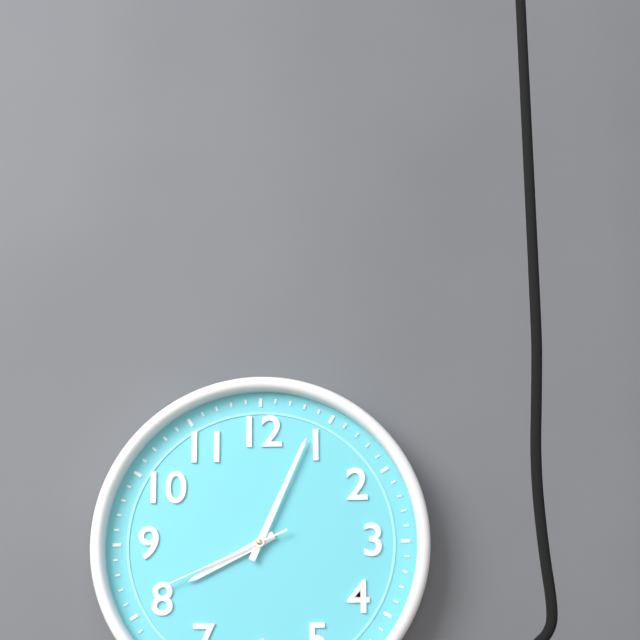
8.04.41
